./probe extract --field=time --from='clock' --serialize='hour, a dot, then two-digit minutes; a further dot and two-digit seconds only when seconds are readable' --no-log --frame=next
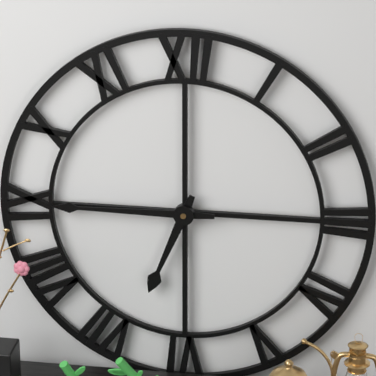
6.45
